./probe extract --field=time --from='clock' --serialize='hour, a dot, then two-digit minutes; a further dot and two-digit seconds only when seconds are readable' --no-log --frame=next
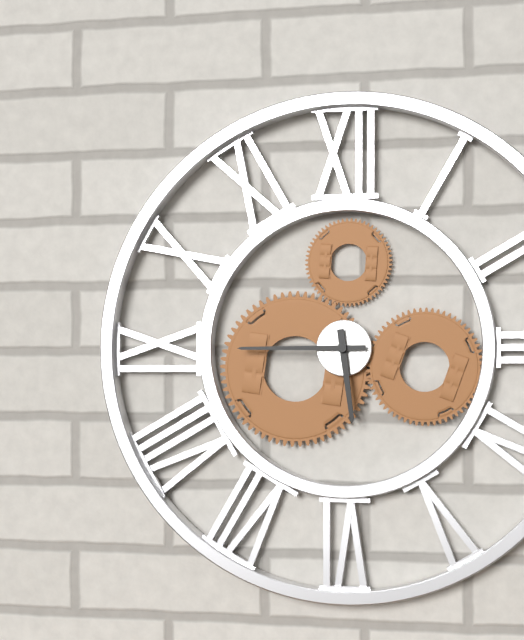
5.45
